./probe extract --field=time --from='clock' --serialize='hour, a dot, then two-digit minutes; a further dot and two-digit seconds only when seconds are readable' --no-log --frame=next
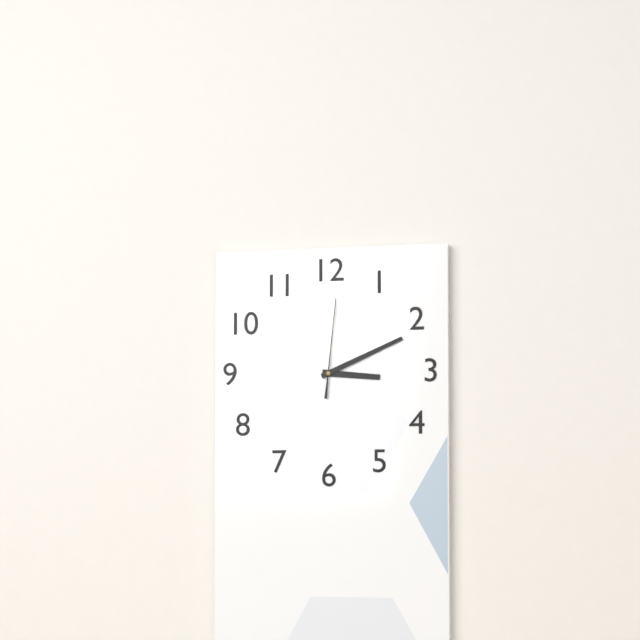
3.11.01
